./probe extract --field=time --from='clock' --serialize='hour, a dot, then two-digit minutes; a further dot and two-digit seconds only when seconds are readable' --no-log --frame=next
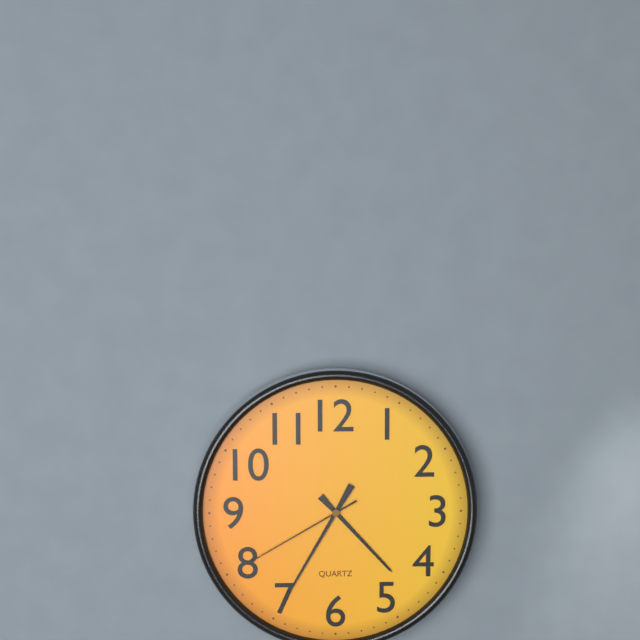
4.35.40
